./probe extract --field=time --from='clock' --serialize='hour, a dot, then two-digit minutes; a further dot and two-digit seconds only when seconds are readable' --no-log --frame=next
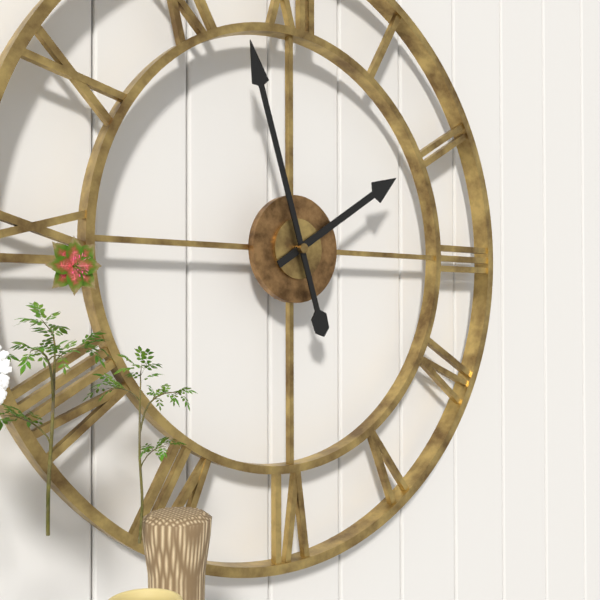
1.57
